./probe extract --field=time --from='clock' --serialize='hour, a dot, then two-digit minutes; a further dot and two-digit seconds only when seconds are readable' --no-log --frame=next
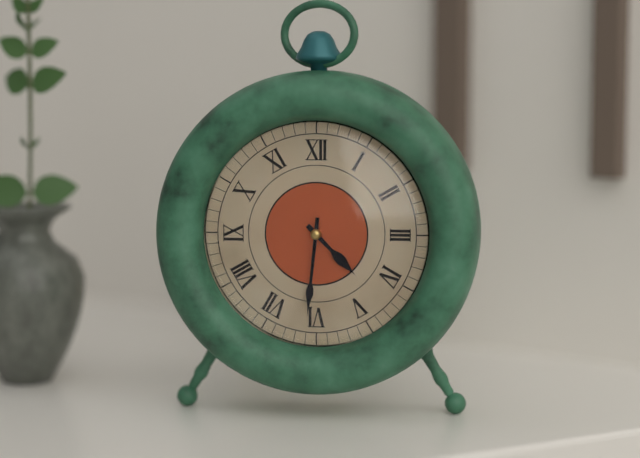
4.31
